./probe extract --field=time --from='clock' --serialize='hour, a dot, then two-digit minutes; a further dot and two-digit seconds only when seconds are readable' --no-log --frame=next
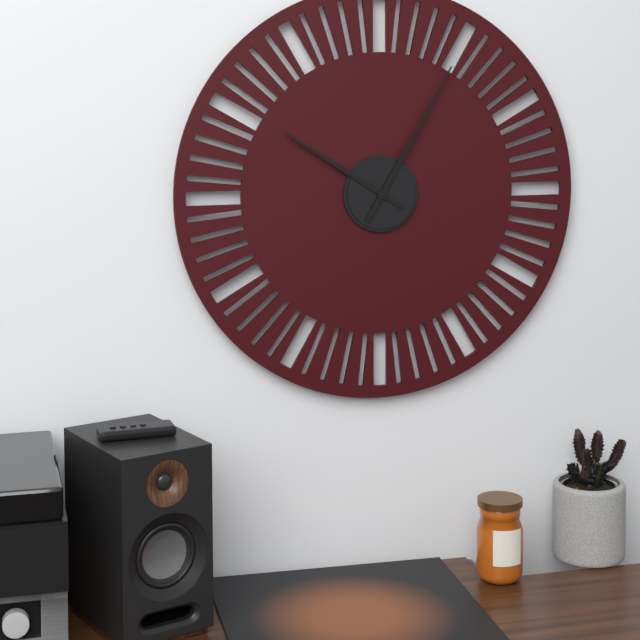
10.05
